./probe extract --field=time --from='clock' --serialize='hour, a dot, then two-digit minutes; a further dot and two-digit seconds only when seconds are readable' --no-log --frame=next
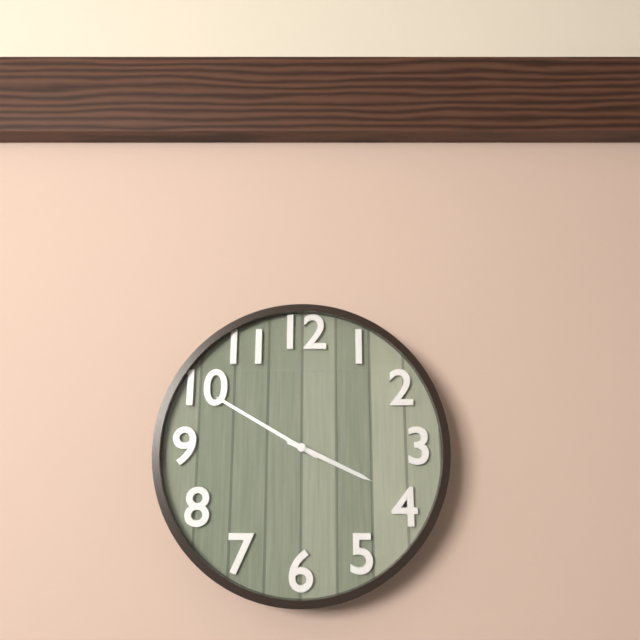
3.50
